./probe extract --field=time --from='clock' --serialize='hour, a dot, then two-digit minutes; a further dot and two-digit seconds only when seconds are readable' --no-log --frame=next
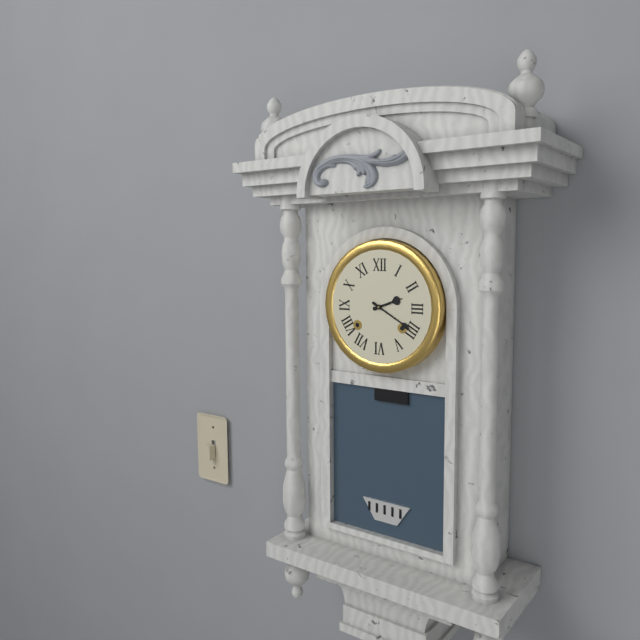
2.20
